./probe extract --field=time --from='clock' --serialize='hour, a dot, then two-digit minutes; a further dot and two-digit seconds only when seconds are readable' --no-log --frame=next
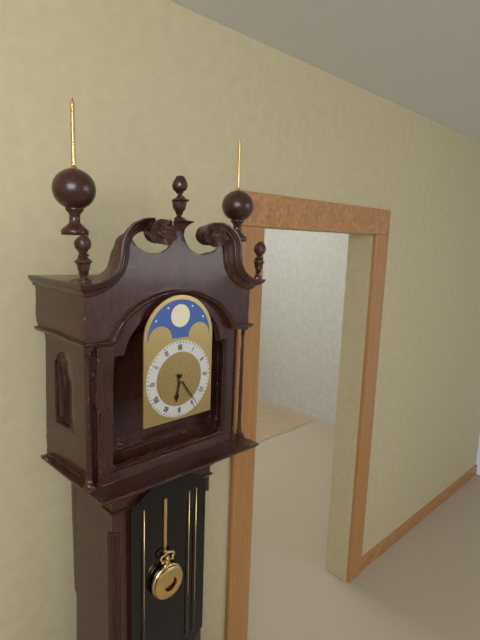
6.24
